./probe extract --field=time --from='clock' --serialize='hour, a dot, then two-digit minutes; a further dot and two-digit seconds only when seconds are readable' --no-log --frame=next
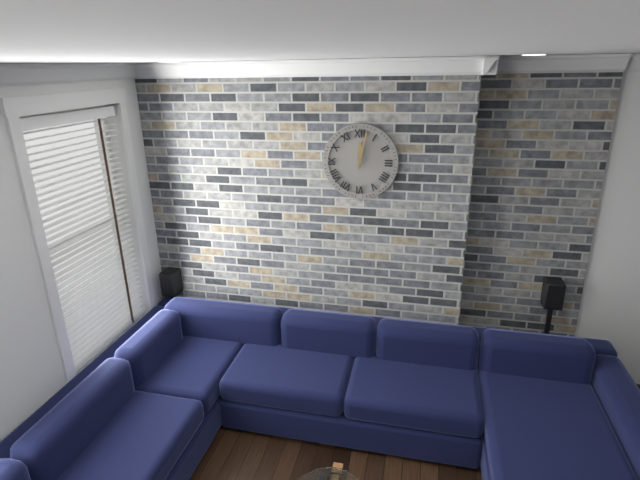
12.02
